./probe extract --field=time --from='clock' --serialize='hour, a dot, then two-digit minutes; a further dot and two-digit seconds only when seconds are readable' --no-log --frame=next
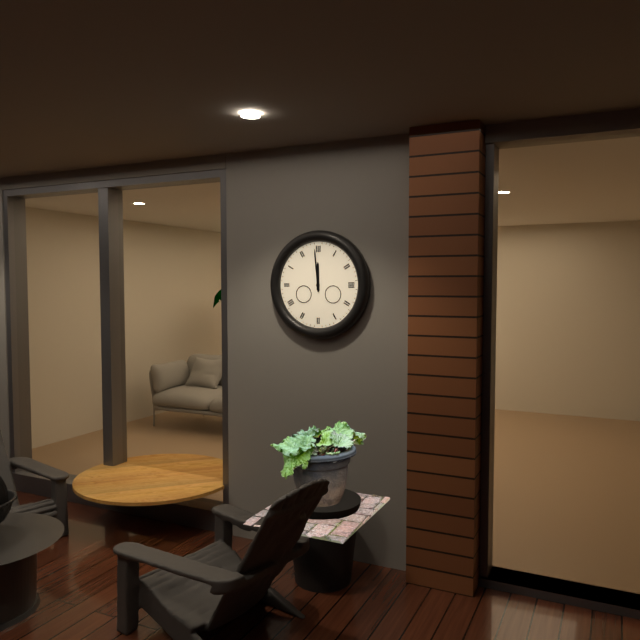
11.59
